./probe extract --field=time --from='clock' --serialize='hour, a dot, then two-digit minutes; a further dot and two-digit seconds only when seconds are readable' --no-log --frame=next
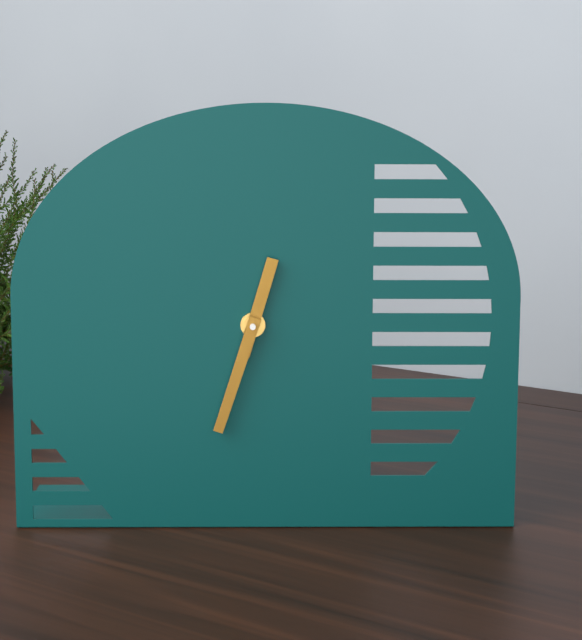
12.33
